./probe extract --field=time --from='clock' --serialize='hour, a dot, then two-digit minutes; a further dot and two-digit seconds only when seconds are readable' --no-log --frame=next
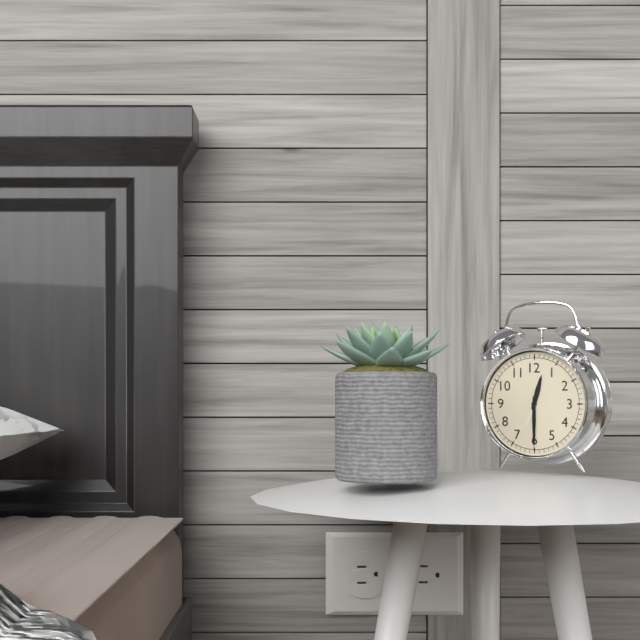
12.30
